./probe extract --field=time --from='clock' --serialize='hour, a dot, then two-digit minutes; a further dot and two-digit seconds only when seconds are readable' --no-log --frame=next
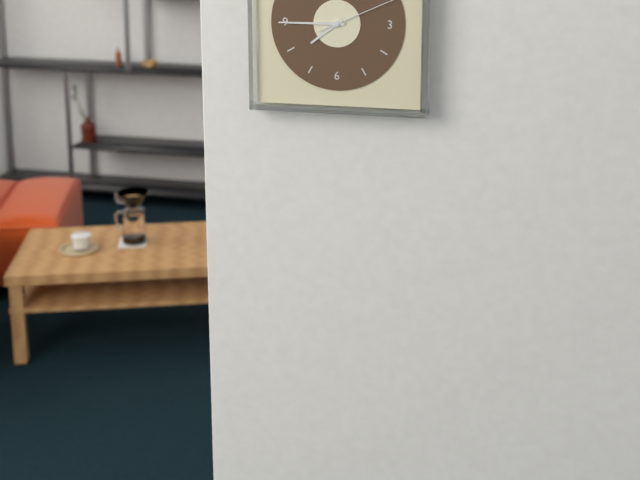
7.45
